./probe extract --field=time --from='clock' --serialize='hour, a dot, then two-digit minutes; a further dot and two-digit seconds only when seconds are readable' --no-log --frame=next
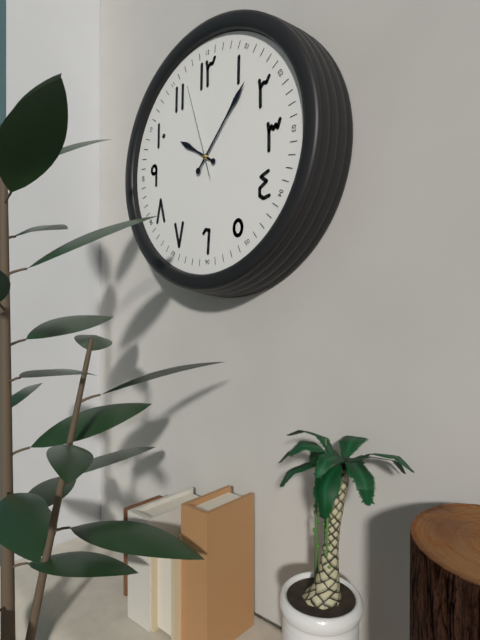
10.07.57
